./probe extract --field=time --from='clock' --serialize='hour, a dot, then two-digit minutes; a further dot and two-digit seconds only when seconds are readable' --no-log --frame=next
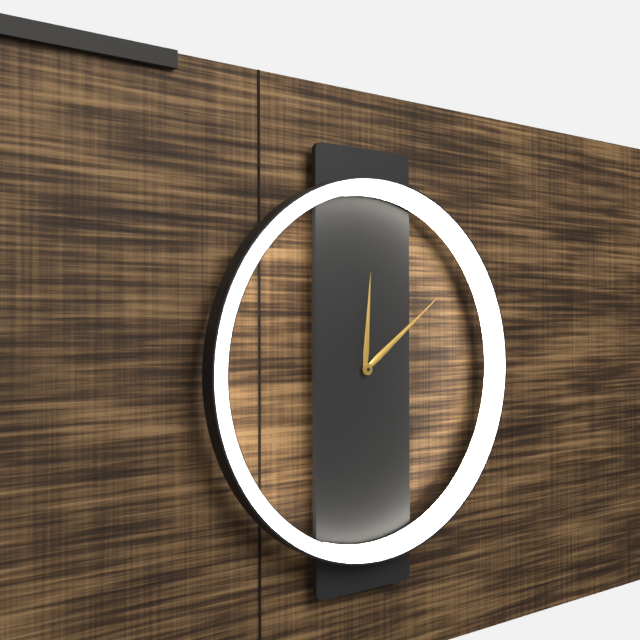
12.09
